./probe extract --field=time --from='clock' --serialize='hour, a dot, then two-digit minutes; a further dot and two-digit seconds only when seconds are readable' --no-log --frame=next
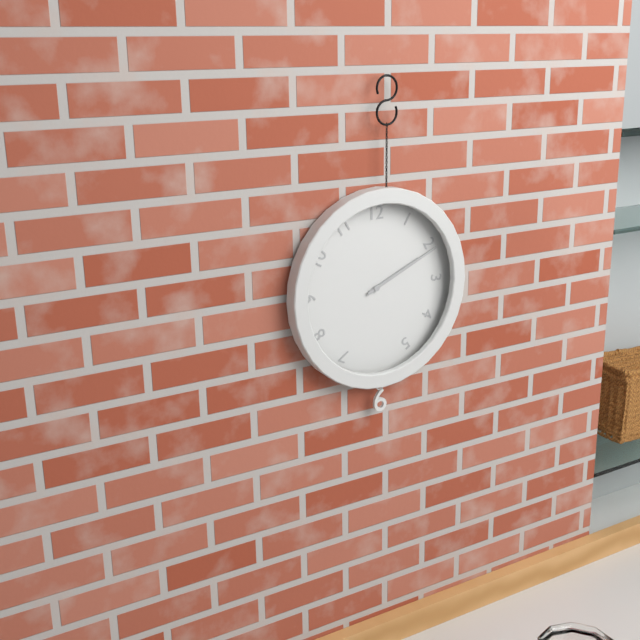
2.11
